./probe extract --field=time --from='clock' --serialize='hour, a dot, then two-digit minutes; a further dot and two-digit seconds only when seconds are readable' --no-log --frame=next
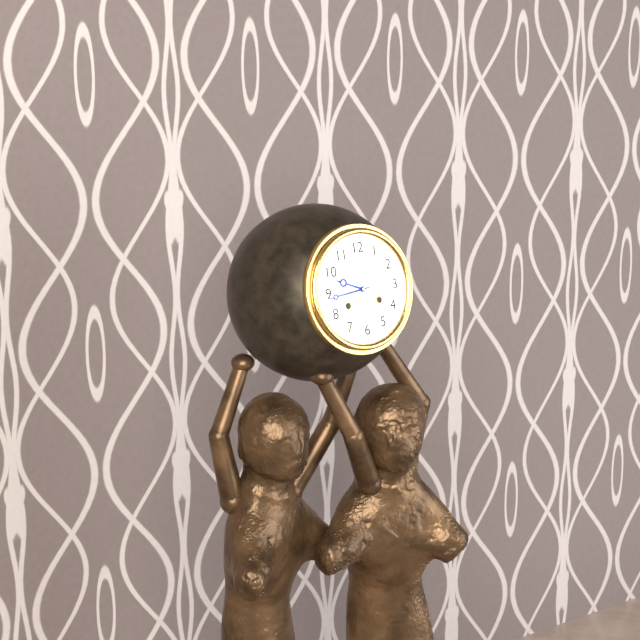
9.44
